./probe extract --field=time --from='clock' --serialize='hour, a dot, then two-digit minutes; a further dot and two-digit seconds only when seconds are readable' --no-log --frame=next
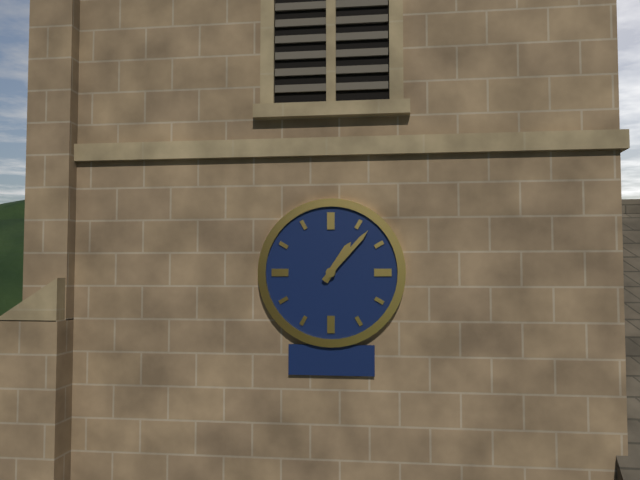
1.07
